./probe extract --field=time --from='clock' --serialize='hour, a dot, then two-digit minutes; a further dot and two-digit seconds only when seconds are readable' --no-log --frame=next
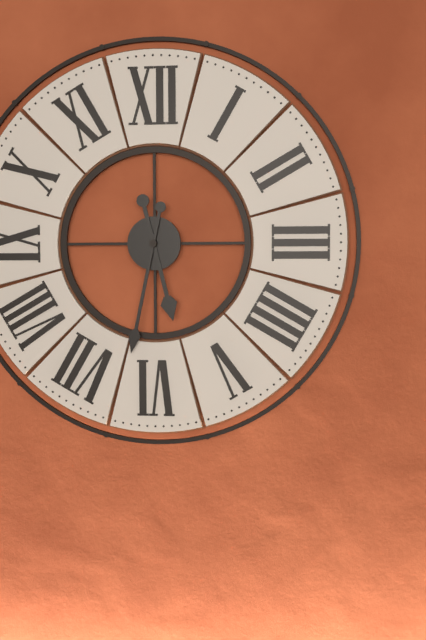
5.32
